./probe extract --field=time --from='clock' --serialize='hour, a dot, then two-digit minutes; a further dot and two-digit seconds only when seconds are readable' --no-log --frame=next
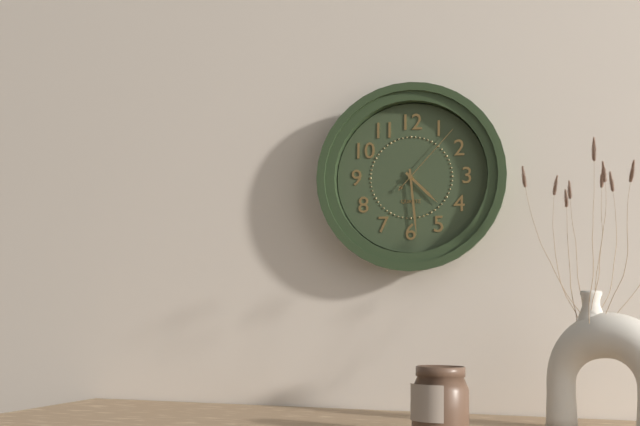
4.29.07
